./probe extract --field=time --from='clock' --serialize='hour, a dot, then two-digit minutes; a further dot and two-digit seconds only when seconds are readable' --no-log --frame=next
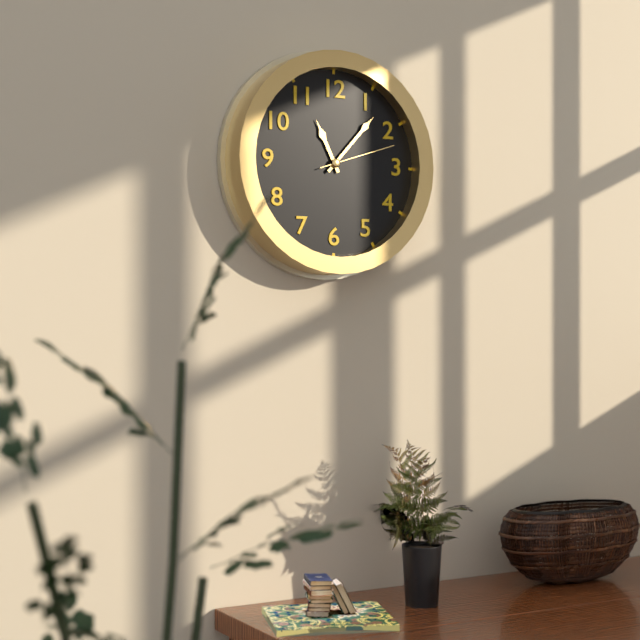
11.07.12
